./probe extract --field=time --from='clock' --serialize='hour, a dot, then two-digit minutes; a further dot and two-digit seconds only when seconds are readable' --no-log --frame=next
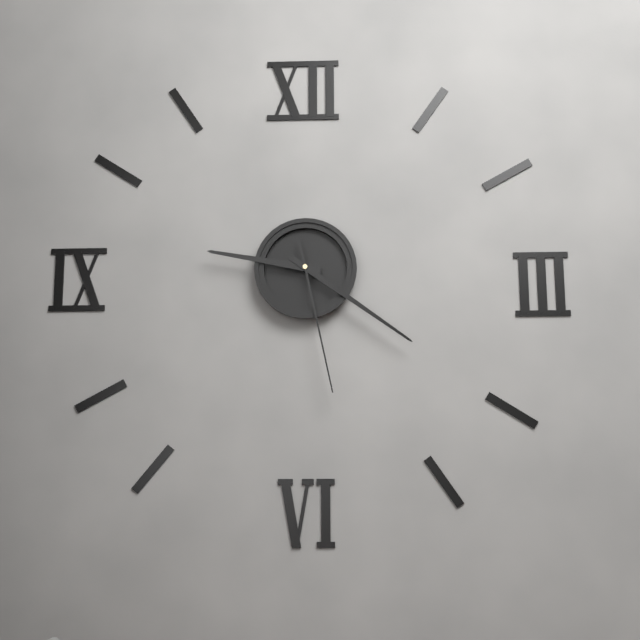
9.21.28
